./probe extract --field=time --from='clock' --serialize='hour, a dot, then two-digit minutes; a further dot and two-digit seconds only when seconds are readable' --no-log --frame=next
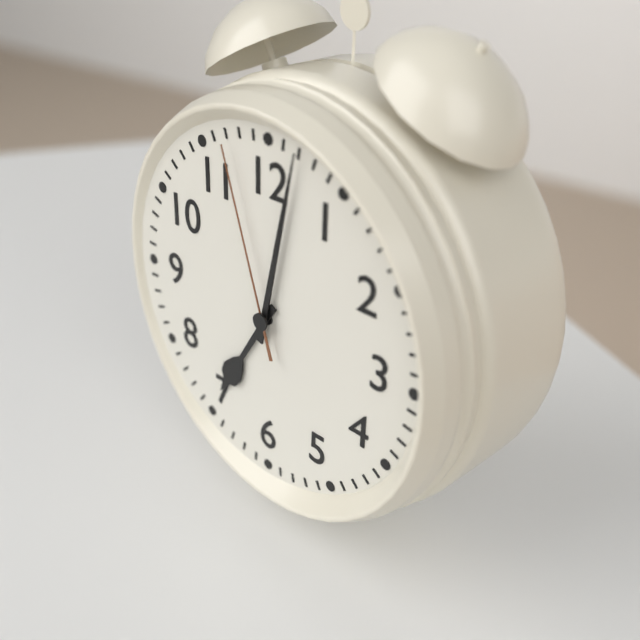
7.02.57
